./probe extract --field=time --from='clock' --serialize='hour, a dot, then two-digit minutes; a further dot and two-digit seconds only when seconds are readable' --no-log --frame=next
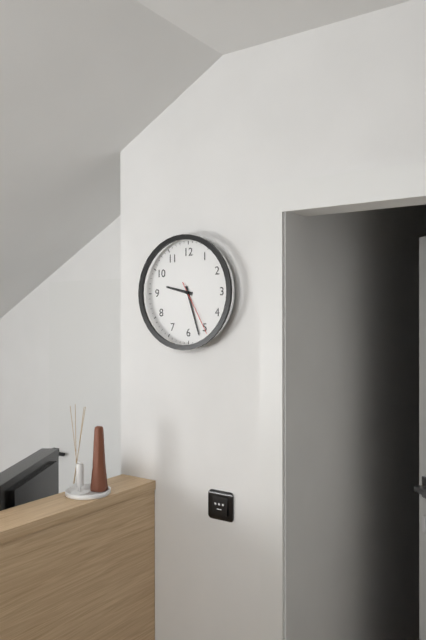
9.27.25
